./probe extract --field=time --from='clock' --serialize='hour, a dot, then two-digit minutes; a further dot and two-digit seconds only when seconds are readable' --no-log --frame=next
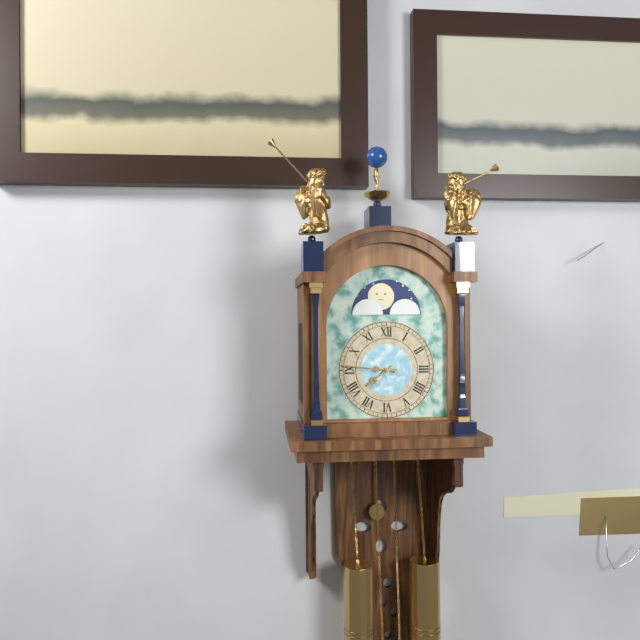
7.46
